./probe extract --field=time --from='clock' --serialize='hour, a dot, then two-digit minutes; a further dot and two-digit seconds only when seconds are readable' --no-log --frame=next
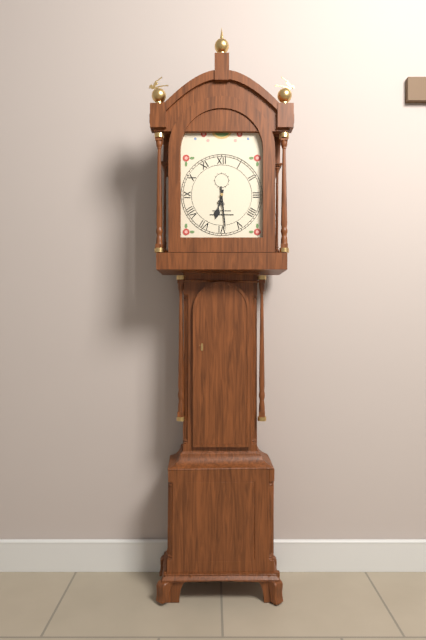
6.29
